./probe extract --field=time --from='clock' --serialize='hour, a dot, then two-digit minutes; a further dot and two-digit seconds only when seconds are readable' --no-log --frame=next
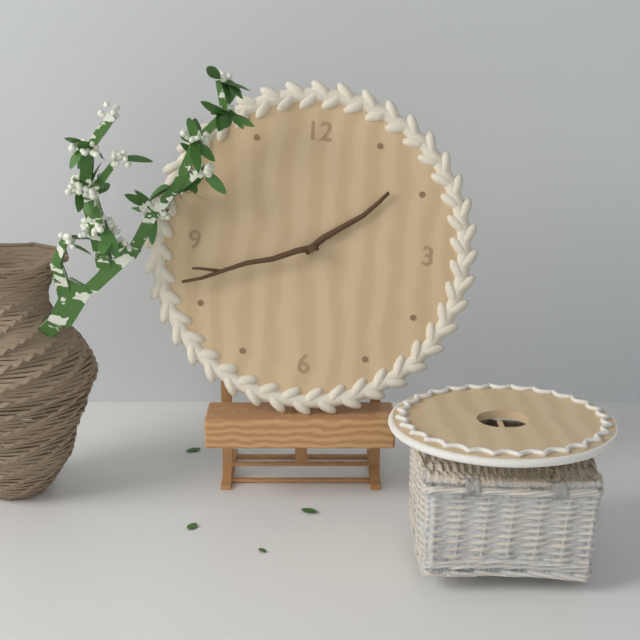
1.42
